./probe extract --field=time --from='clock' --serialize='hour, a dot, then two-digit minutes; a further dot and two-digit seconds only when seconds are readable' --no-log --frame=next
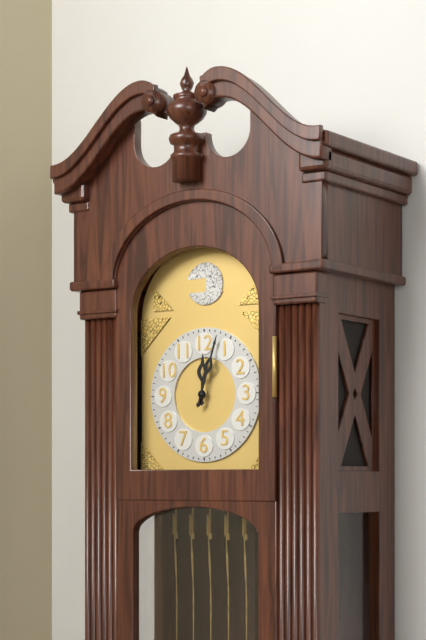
12.03
